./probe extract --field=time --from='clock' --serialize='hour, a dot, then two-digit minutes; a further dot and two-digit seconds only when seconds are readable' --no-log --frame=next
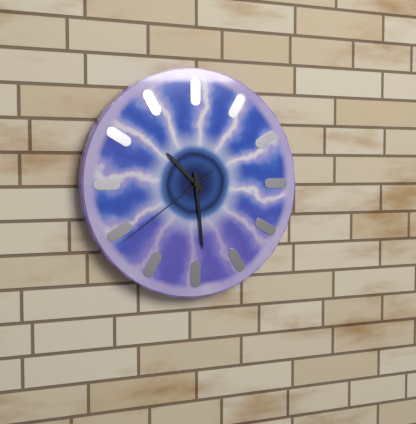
10.29.39
